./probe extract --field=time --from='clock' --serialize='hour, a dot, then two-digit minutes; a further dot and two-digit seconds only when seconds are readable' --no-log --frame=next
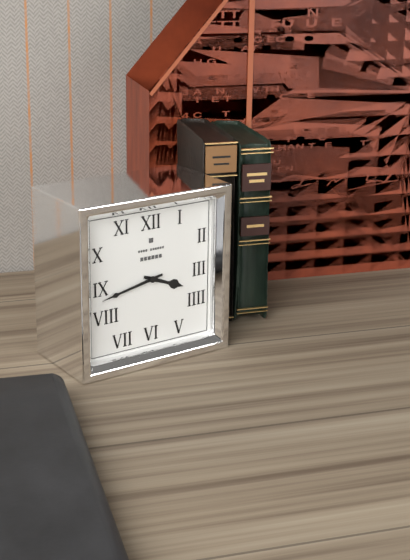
3.43
